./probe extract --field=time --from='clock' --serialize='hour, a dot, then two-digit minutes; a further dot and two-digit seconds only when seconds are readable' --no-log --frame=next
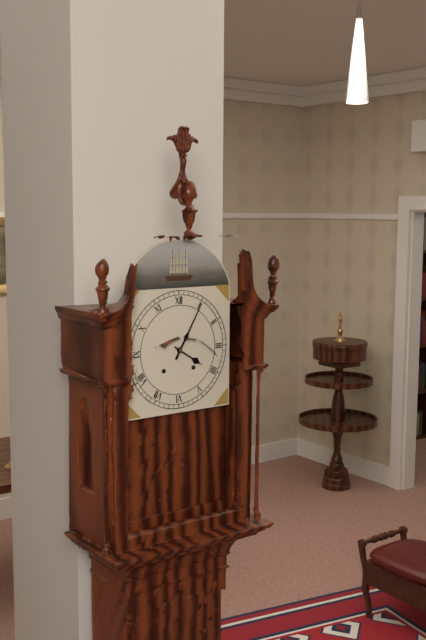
4.05
